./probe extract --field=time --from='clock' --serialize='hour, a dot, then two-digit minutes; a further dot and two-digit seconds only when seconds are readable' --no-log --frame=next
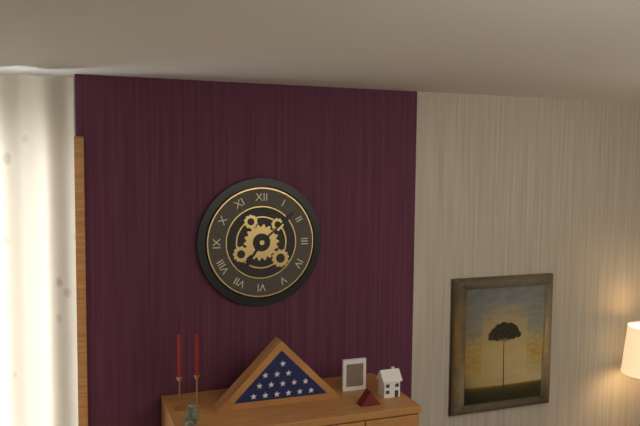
7.08
